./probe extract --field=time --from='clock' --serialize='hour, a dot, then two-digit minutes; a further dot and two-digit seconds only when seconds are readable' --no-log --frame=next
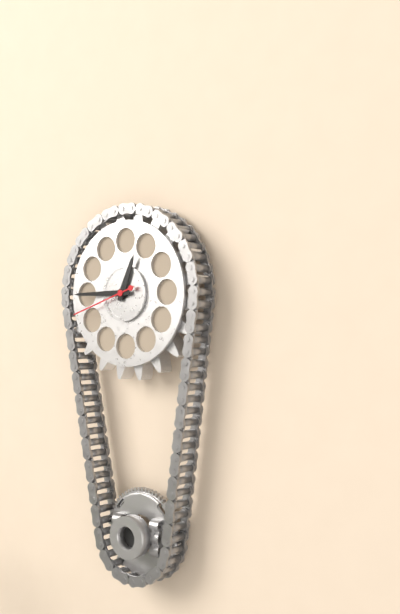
12.45.42
